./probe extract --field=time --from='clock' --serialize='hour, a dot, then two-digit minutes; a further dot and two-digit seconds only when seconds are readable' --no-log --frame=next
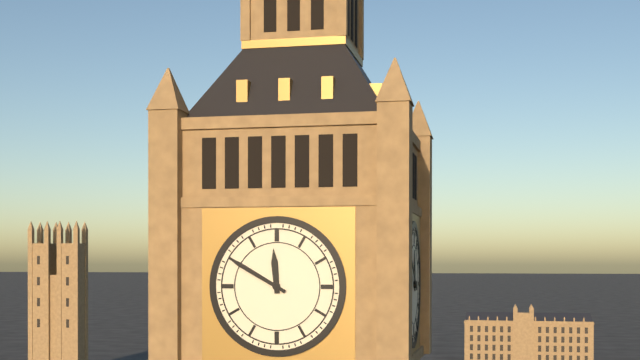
11.50
